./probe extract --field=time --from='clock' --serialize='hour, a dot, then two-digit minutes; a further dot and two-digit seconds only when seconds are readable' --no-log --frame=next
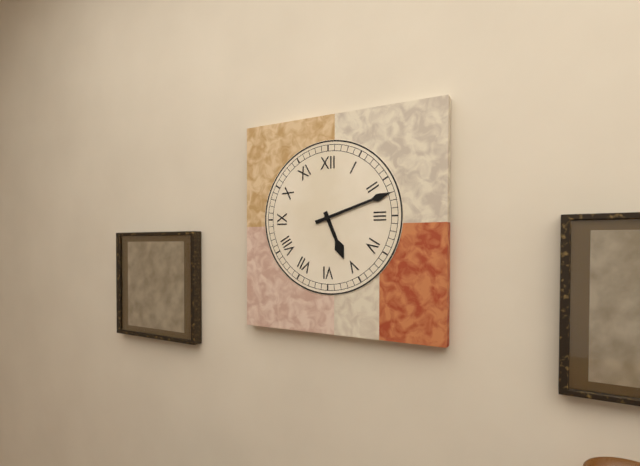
5.12
